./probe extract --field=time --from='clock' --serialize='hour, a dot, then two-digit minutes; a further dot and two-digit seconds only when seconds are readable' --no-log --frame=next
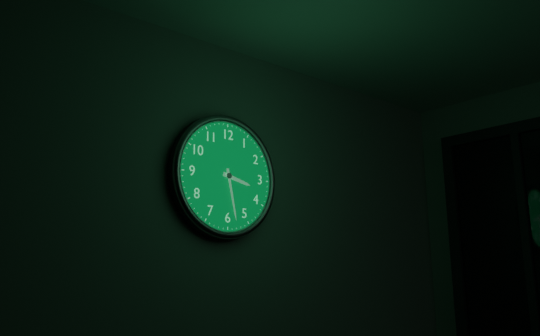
3.28
